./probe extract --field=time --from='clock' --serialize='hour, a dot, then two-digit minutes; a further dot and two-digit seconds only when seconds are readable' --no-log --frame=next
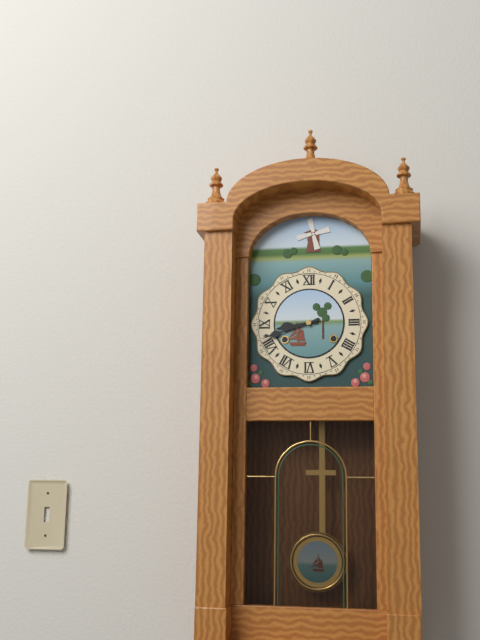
8.42
